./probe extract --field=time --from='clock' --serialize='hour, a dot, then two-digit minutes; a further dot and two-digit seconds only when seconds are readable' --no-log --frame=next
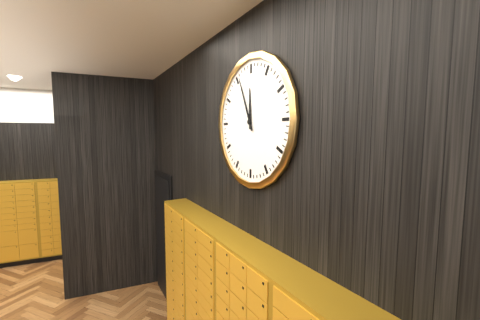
11.56
